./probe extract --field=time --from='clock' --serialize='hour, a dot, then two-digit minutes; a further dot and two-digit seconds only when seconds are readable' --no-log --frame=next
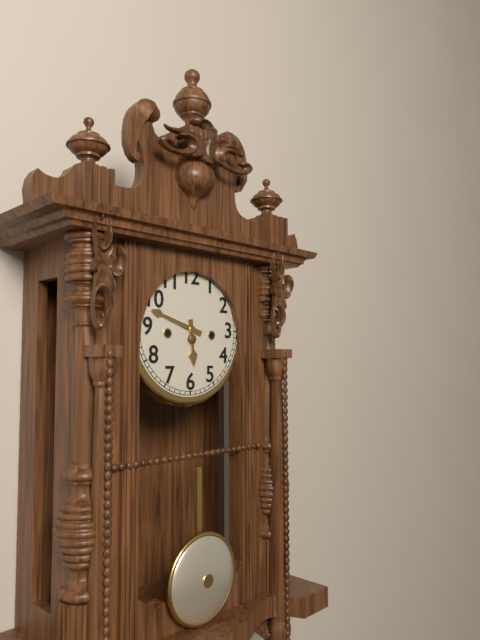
5.48
